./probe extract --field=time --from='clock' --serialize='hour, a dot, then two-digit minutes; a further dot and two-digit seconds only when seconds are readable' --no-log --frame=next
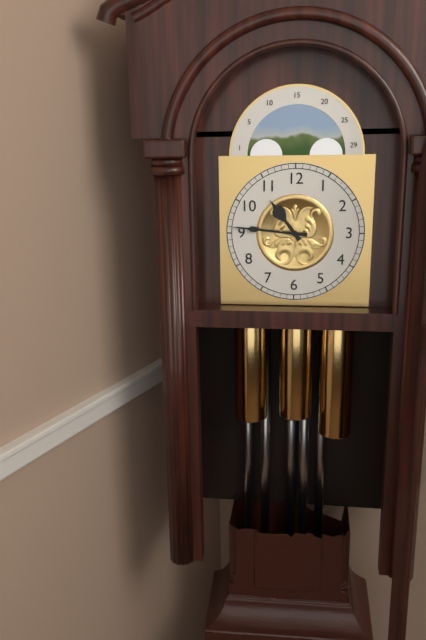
10.46
